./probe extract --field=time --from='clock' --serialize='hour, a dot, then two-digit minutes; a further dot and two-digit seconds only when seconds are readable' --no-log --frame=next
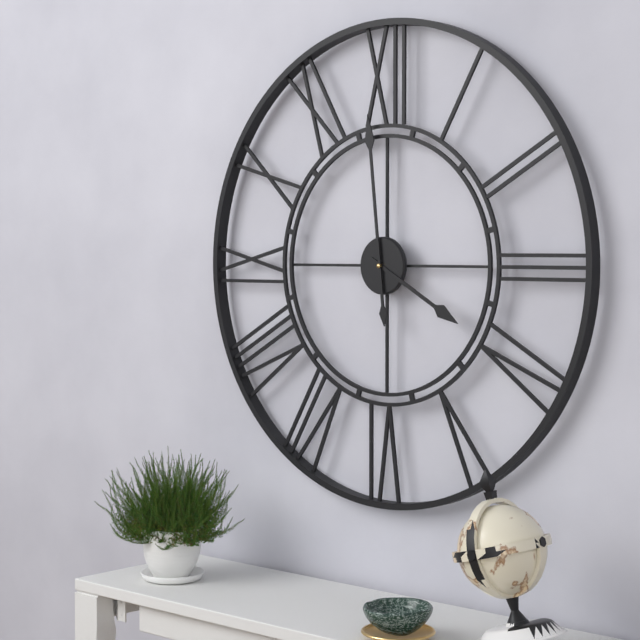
3.59
